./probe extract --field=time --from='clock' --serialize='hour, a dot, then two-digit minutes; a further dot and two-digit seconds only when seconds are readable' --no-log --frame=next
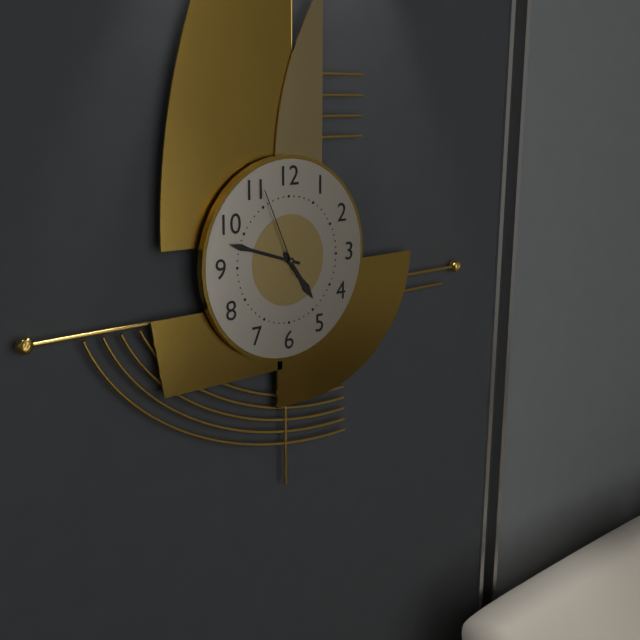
4.48.56
